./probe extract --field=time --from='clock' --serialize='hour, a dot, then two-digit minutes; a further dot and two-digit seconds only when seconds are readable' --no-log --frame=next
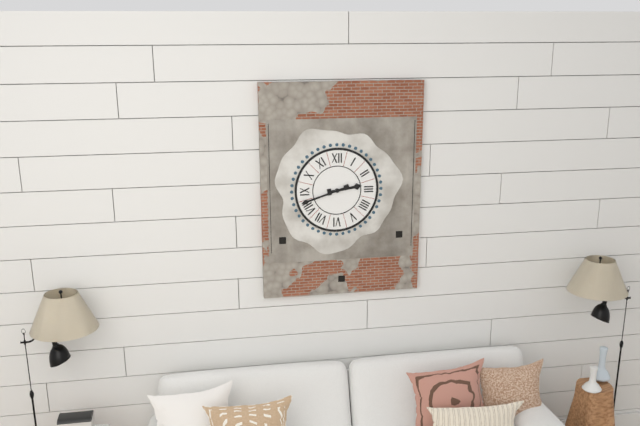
2.42
